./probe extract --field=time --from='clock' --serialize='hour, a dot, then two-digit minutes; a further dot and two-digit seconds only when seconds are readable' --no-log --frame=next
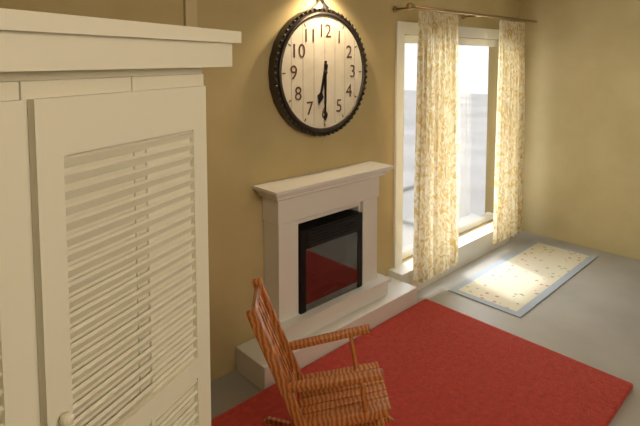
6.30
